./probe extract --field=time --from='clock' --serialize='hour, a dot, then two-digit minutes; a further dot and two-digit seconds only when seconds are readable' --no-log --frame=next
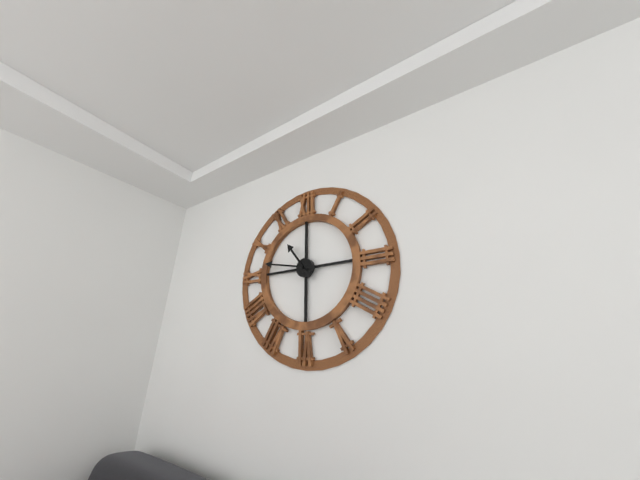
10.47
